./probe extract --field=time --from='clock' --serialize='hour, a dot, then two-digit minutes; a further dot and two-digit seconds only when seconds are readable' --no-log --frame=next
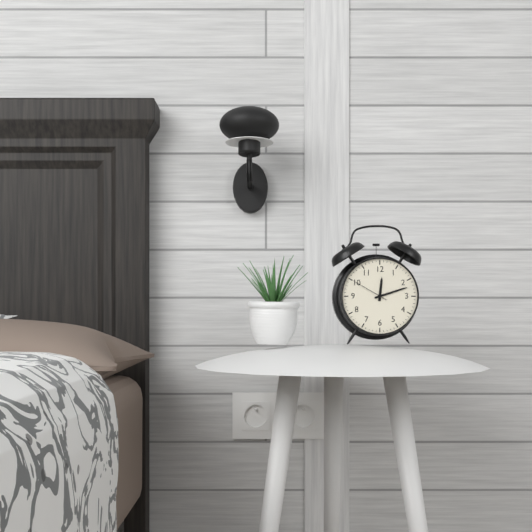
12.12
